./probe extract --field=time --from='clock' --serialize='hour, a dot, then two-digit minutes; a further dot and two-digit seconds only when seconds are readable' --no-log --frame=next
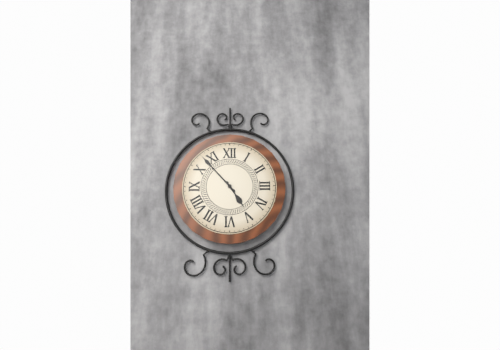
4.53
